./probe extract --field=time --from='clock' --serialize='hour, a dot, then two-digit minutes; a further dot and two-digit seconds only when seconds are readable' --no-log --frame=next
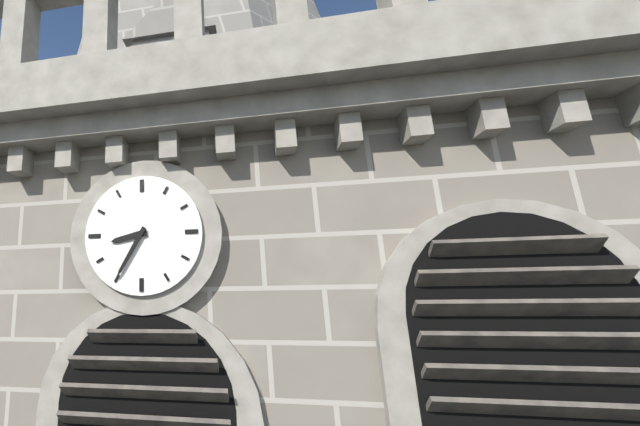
8.35
